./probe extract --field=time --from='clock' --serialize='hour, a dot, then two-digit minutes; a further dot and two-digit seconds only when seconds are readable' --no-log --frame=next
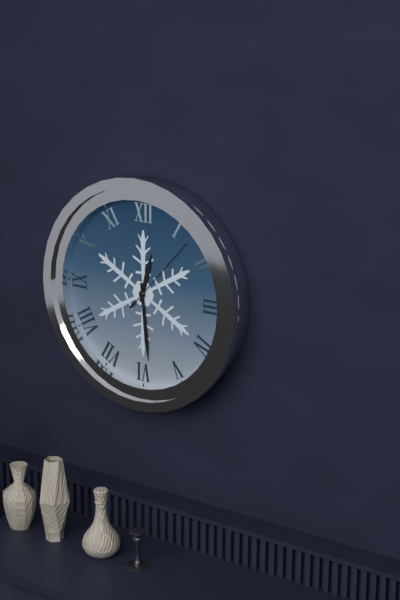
12.29.07
